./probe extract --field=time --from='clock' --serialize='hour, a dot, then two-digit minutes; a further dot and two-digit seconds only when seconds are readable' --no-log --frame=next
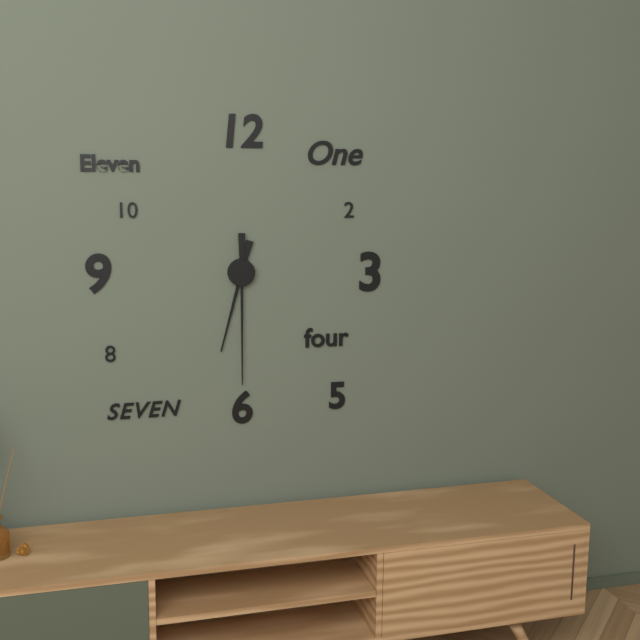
6.30
